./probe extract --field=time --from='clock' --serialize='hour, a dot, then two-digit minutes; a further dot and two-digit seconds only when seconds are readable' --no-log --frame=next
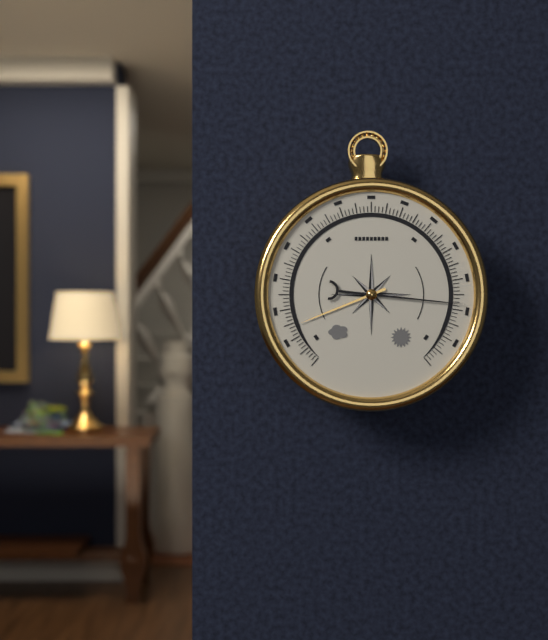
8.16
